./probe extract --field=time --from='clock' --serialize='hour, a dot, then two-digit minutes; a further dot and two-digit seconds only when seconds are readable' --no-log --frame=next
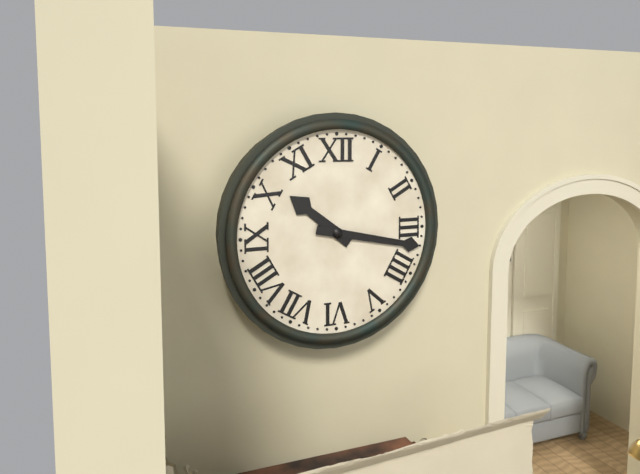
10.17
